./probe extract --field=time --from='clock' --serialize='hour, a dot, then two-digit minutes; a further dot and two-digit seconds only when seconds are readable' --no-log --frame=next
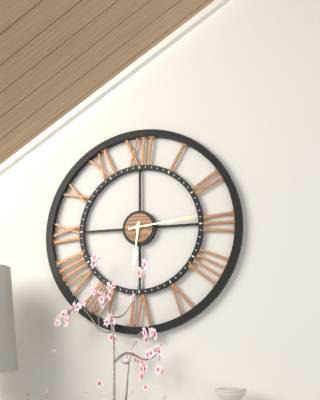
6.14
